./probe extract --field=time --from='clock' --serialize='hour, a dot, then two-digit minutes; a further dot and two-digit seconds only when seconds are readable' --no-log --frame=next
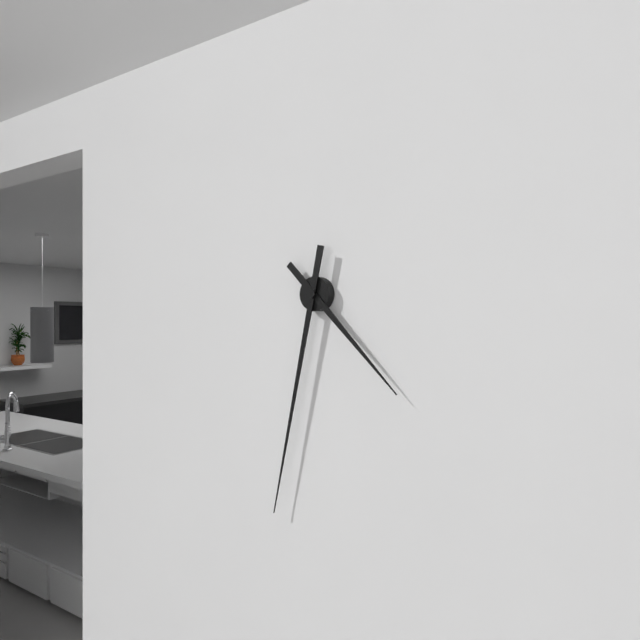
4.32
